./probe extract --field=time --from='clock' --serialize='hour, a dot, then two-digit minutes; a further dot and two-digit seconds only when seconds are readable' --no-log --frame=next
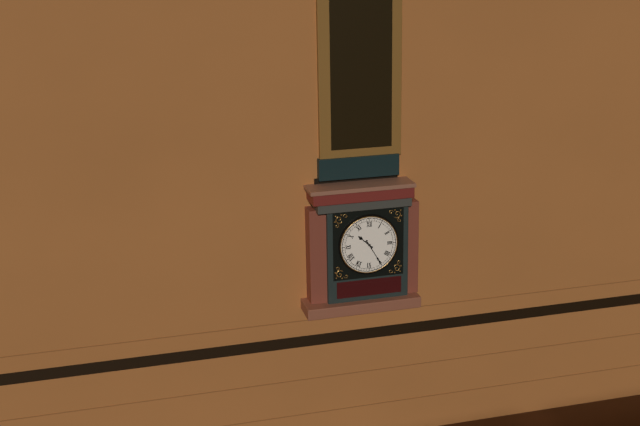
10.25
